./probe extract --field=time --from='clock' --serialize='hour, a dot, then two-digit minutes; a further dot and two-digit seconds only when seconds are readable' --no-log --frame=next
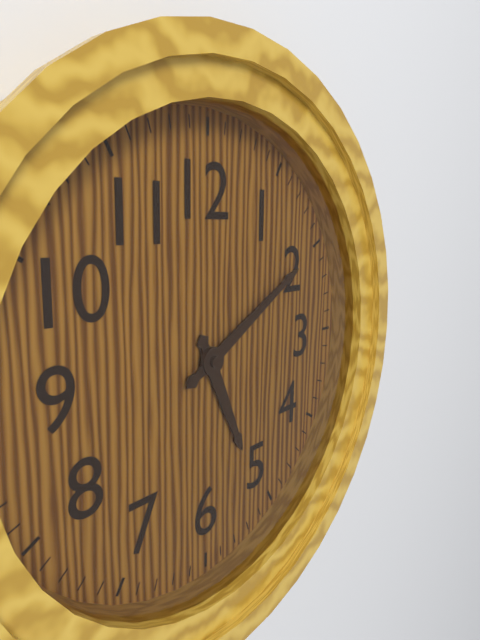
5.10
